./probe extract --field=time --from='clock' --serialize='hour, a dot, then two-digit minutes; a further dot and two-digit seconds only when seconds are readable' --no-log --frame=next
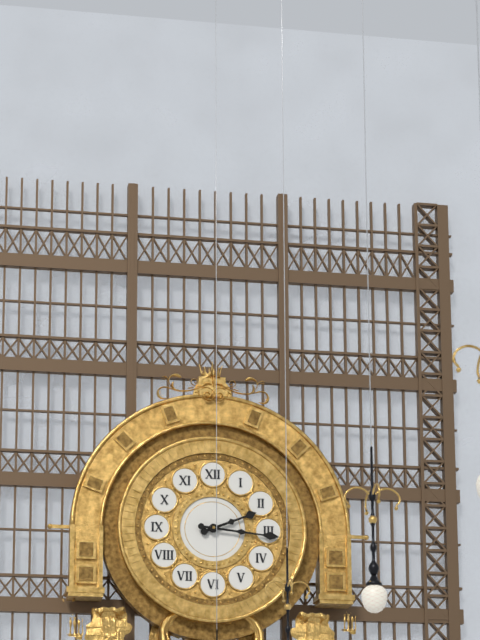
2.16
